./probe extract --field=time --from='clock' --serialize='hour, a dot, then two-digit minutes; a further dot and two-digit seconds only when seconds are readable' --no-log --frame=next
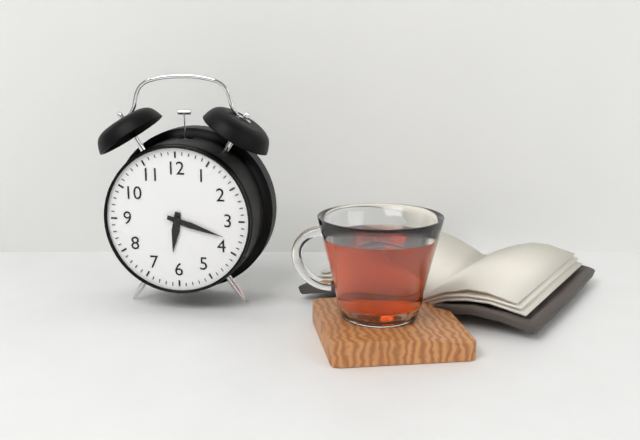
6.18
